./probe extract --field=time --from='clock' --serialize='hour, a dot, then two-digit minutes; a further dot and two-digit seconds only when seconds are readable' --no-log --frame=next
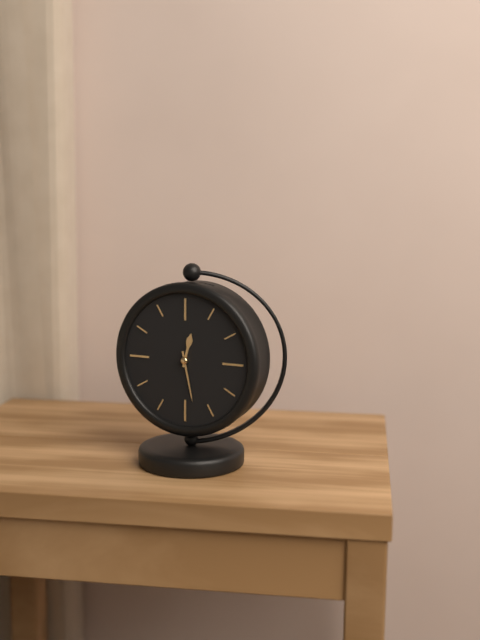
12.28
